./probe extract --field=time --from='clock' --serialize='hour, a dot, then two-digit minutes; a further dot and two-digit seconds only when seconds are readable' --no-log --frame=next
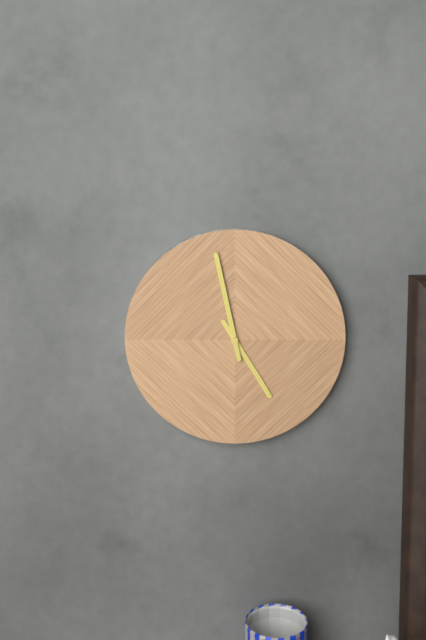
4.58
